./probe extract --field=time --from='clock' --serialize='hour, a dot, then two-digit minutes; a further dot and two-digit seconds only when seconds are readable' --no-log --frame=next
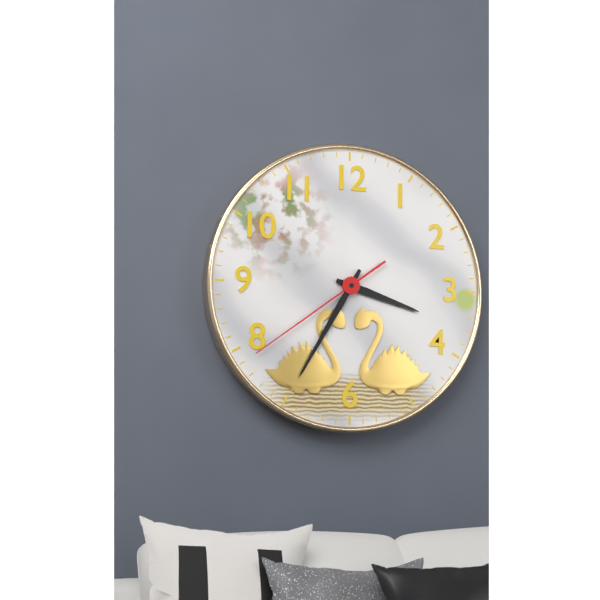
3.35.39
